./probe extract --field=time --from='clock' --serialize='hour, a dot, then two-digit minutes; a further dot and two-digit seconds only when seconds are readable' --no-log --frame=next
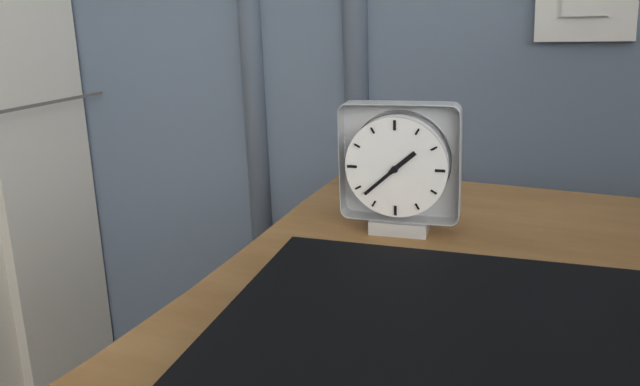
1.38
